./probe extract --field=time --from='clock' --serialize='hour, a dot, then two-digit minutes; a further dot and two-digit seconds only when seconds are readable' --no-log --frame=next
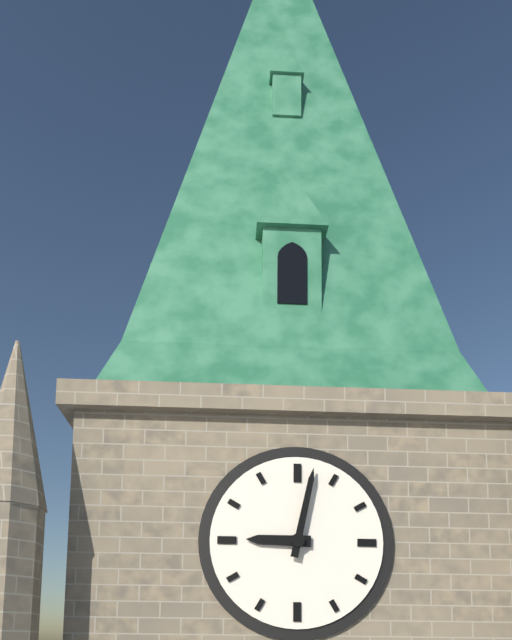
9.02
